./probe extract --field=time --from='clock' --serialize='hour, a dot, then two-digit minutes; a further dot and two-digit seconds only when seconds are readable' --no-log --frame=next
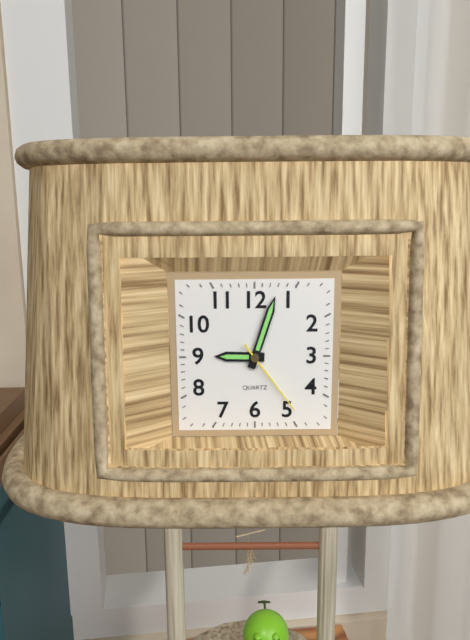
9.03.24
